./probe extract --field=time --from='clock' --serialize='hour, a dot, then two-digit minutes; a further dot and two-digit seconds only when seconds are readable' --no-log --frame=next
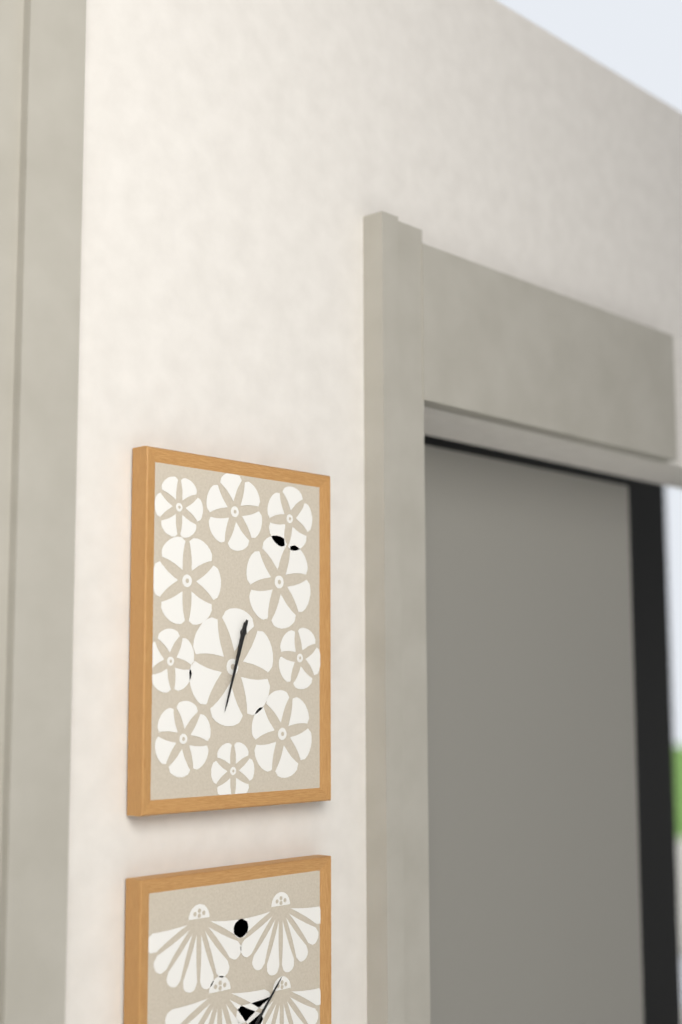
6.33
